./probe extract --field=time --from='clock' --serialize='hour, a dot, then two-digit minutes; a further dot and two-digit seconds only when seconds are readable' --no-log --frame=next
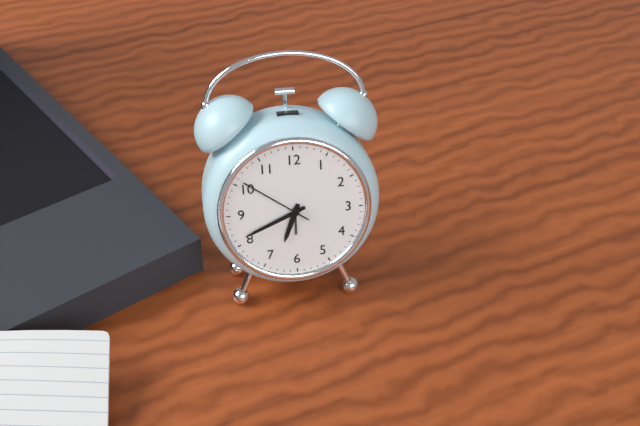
6.41.51
